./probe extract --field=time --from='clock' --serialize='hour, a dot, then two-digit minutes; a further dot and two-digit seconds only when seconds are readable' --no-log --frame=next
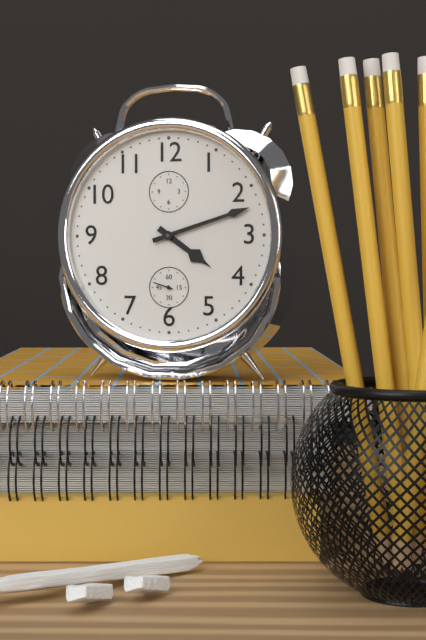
4.12
